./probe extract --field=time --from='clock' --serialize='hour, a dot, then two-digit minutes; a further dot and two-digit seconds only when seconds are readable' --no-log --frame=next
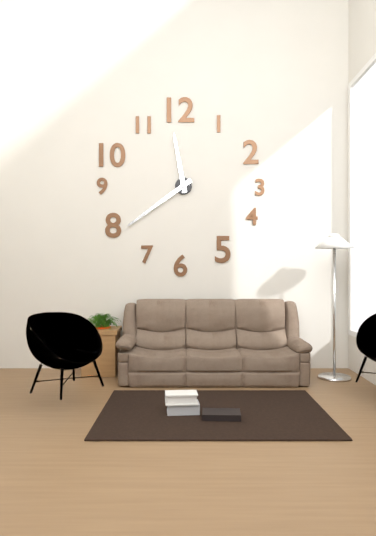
11.39
